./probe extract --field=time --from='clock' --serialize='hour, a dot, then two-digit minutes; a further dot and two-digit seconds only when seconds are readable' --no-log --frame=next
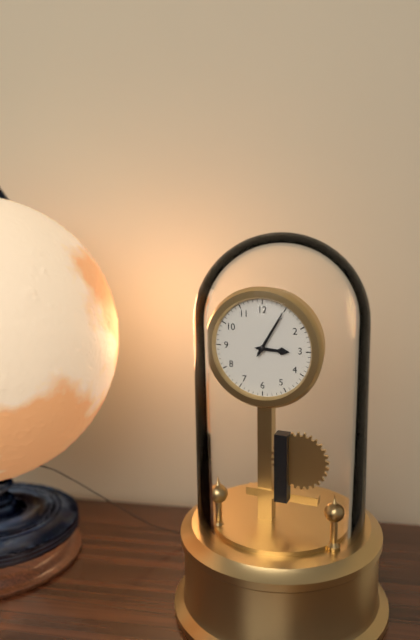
3.05
